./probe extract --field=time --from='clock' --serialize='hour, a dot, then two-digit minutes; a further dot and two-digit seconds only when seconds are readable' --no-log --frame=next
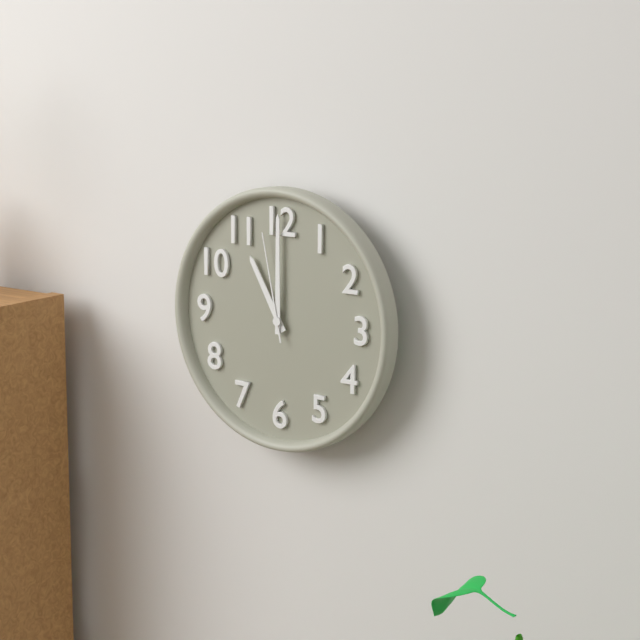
11.00.58
